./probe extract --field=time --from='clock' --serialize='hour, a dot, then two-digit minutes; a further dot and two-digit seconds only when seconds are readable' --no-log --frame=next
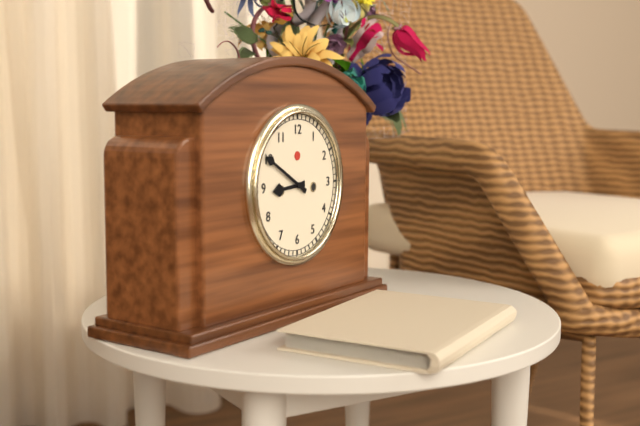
8.50
